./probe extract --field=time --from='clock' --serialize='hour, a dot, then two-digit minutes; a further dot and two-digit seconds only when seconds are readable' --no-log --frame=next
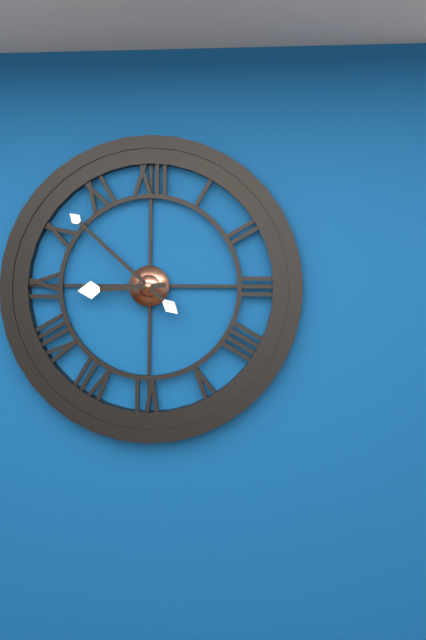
8.52
